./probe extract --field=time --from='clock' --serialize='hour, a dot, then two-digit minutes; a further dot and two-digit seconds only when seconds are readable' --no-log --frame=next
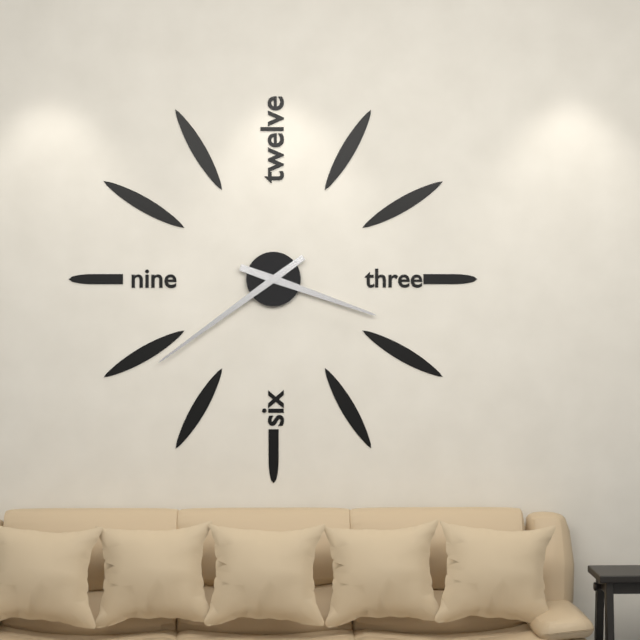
3.39
